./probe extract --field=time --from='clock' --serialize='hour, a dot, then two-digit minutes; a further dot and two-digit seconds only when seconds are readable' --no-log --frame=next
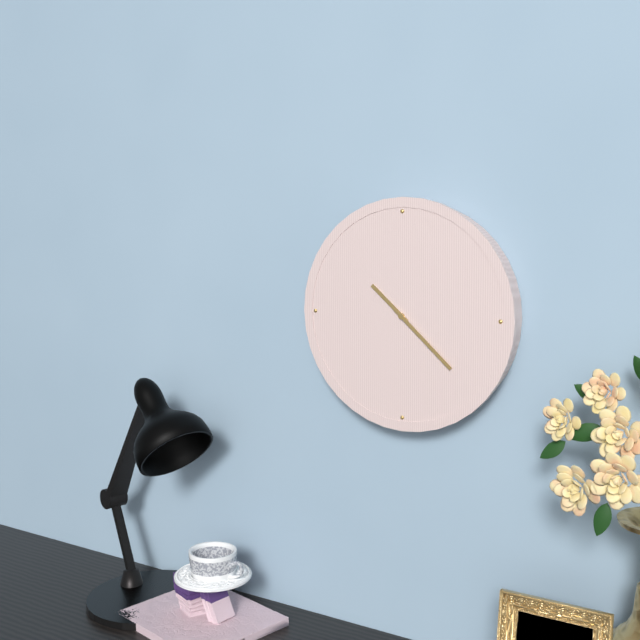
10.22
